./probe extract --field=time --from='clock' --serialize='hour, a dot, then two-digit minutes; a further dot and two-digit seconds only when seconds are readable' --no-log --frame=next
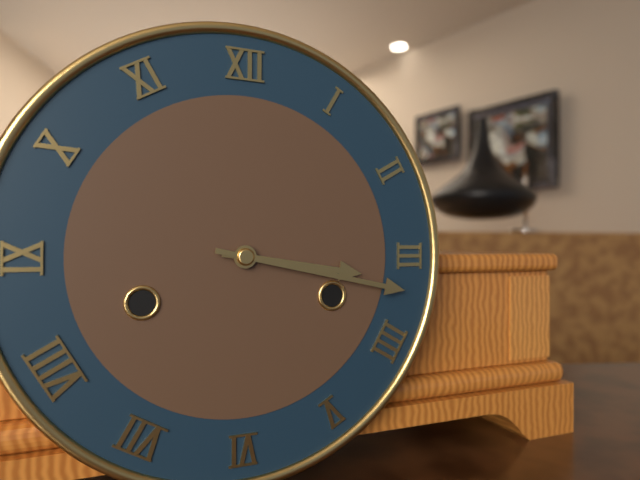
3.17
